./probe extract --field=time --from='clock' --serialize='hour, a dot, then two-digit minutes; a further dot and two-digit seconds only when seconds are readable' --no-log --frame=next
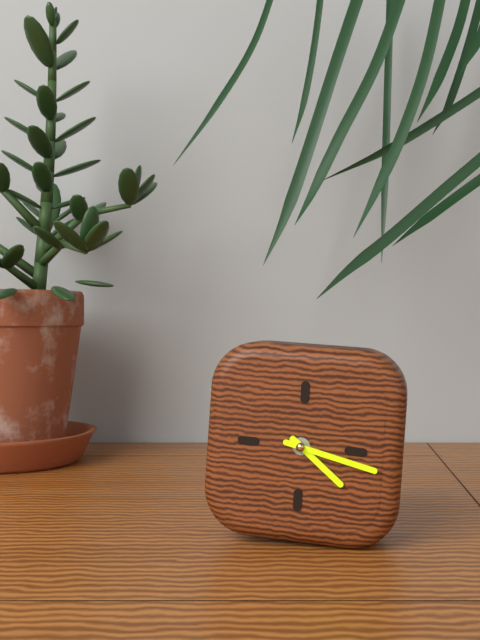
4.17
